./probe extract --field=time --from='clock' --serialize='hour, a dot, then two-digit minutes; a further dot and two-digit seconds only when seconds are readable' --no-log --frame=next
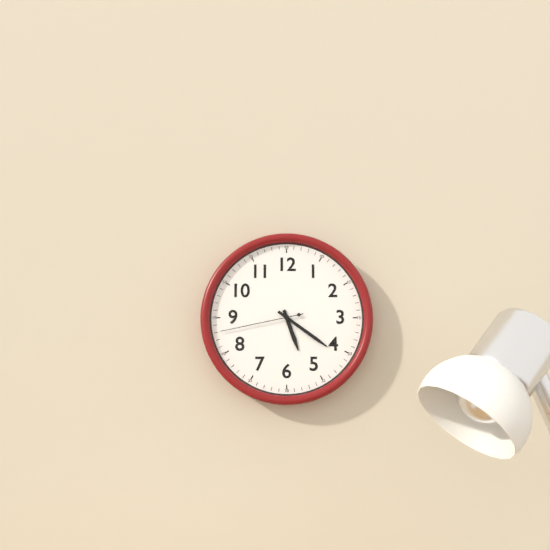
5.21.43
